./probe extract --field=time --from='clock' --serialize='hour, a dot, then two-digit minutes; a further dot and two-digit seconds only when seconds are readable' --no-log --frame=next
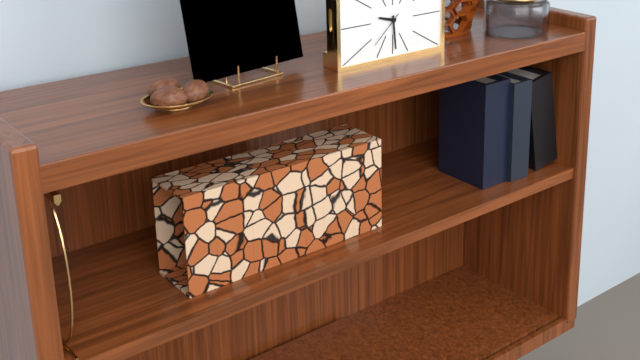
9.29
